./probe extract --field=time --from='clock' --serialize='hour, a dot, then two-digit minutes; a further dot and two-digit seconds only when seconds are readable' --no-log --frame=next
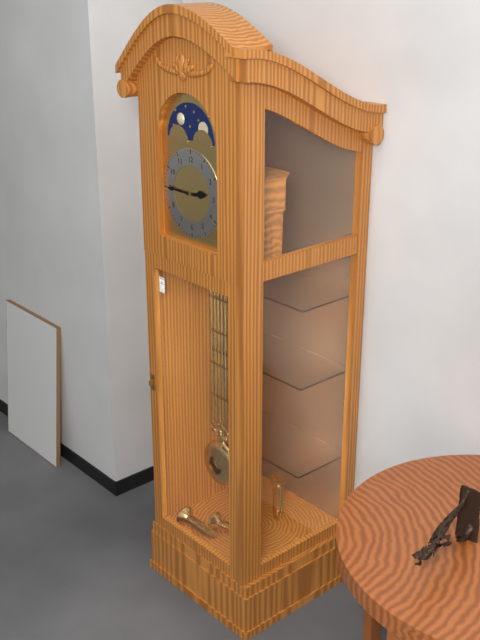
2.45
